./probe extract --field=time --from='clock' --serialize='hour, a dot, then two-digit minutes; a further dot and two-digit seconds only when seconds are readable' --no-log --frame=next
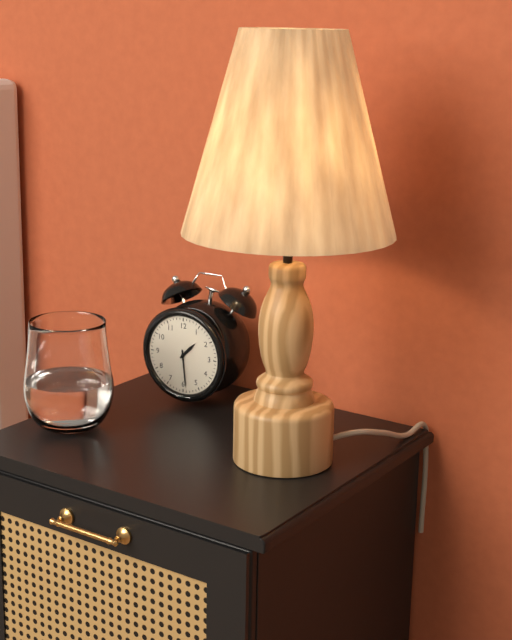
1.29
